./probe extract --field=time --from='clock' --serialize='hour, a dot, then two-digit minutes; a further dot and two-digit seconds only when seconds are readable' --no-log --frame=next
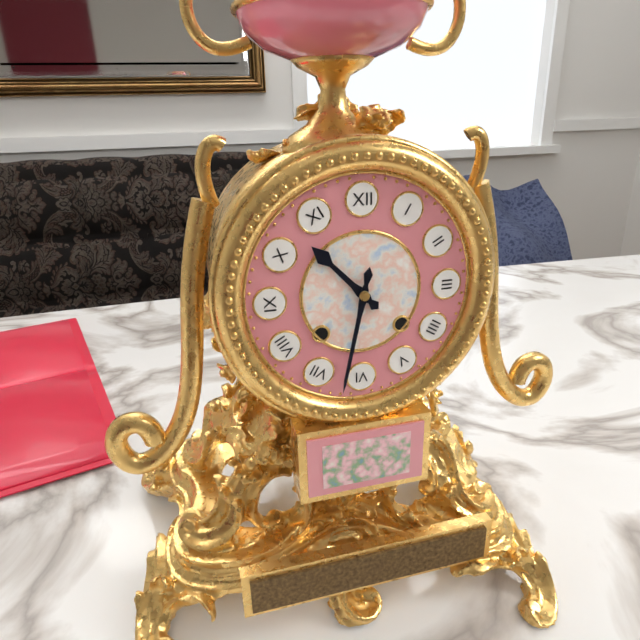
10.32
